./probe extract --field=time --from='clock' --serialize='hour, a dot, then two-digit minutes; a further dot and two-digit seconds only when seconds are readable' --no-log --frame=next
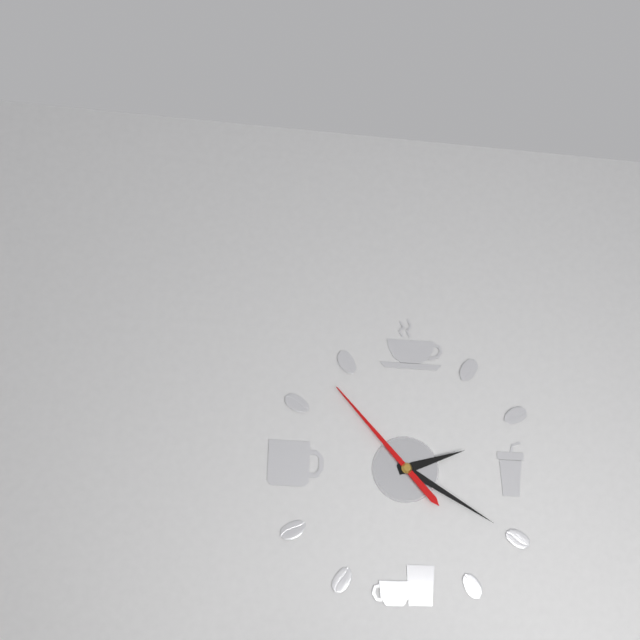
2.20.53
